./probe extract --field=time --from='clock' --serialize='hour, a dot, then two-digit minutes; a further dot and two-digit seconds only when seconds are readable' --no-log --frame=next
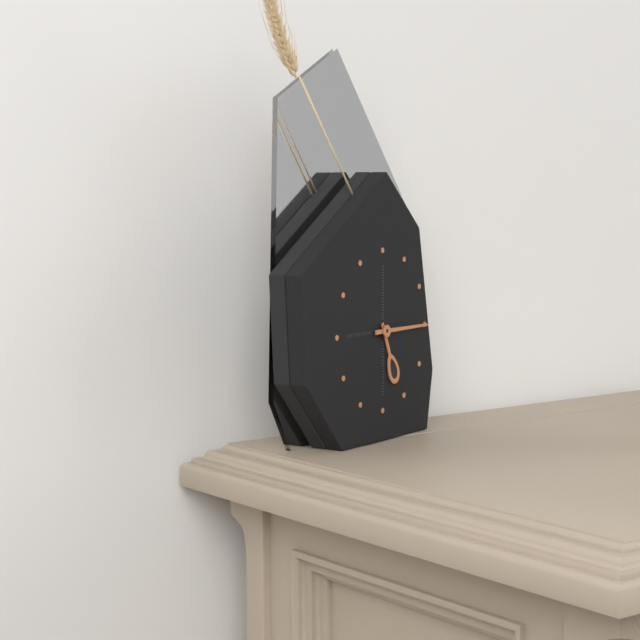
5.15
